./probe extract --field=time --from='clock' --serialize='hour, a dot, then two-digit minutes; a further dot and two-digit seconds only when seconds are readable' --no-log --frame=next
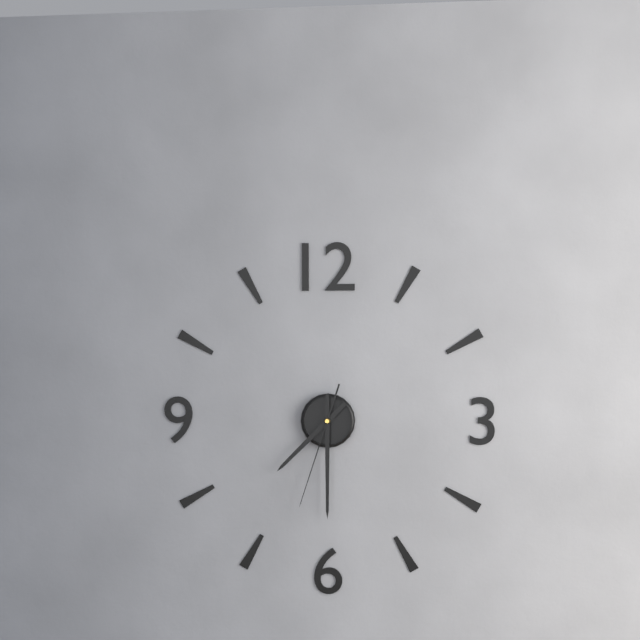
7.30.33
